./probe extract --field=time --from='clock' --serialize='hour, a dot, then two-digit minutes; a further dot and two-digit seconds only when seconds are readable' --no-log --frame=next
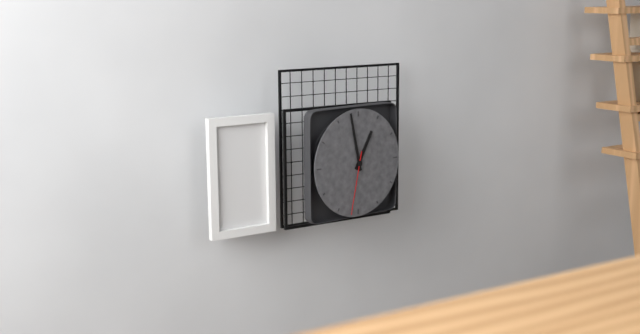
12.58.32
